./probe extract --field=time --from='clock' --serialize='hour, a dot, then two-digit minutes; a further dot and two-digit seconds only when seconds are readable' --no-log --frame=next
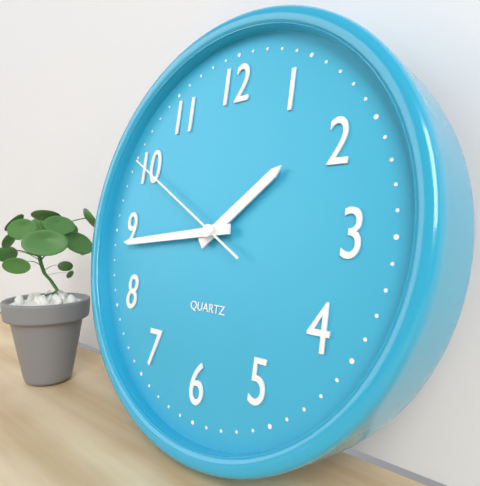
1.44.50
